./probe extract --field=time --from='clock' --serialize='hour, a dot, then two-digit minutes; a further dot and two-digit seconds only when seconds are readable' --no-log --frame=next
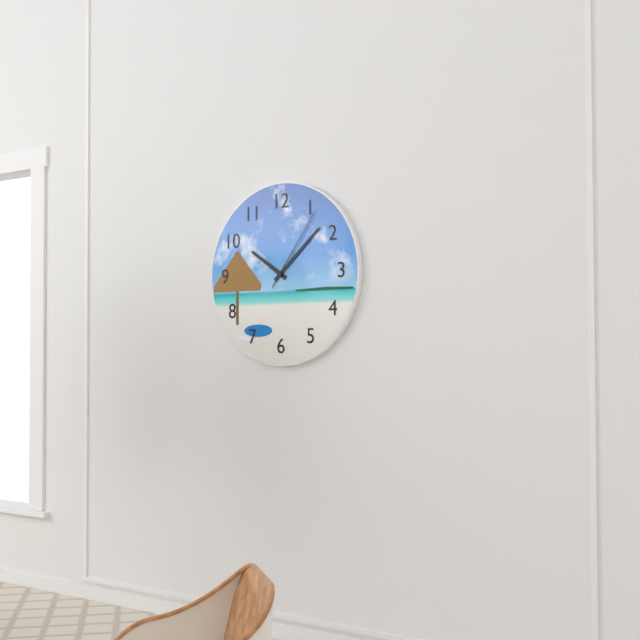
10.08.06
